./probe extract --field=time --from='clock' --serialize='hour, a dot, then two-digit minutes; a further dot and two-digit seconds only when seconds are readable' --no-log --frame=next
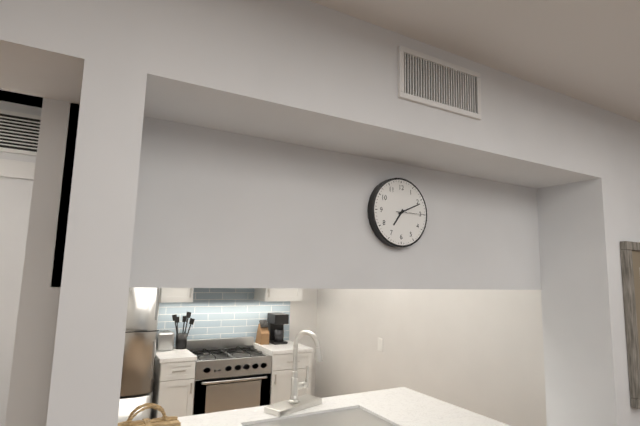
7.11
